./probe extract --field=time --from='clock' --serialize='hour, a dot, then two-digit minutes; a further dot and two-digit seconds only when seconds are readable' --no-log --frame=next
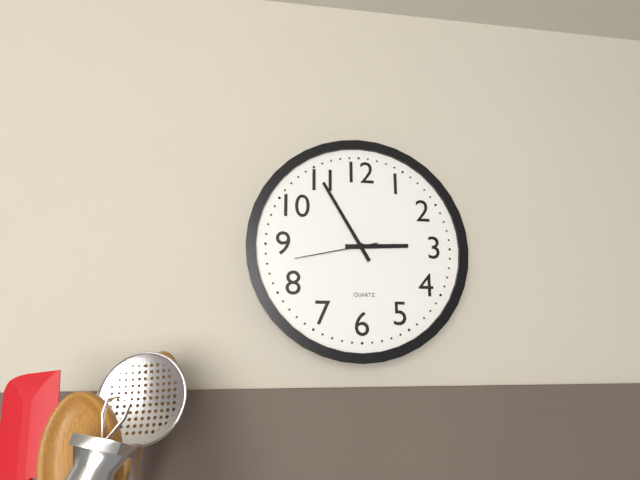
2.55.43
